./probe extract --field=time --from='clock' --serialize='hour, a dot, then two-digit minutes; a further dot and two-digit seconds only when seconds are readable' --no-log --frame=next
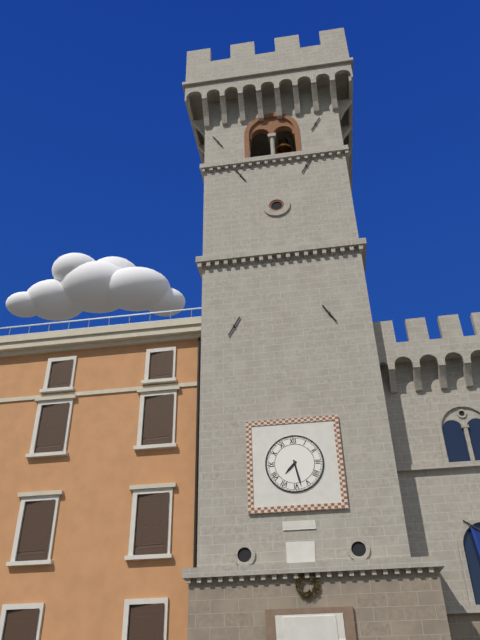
7.28
